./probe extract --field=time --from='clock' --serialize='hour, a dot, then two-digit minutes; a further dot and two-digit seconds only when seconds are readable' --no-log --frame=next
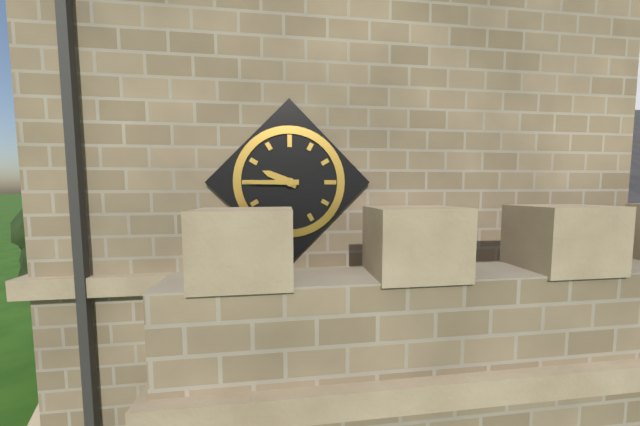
9.45
